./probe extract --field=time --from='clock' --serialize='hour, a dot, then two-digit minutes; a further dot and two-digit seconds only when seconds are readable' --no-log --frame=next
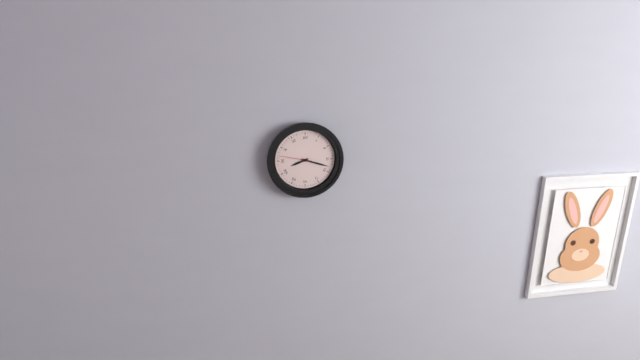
8.18
